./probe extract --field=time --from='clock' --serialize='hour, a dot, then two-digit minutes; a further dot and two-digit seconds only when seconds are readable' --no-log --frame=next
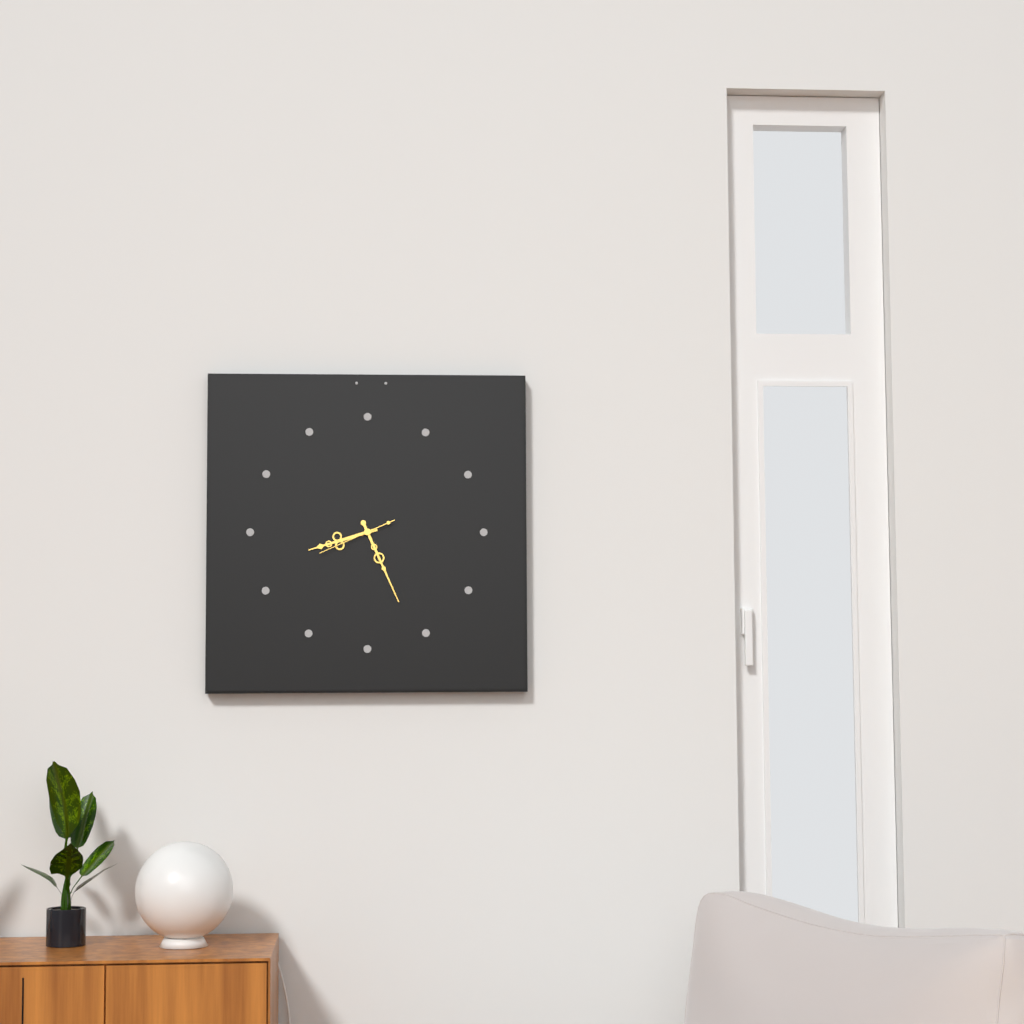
8.26.41
